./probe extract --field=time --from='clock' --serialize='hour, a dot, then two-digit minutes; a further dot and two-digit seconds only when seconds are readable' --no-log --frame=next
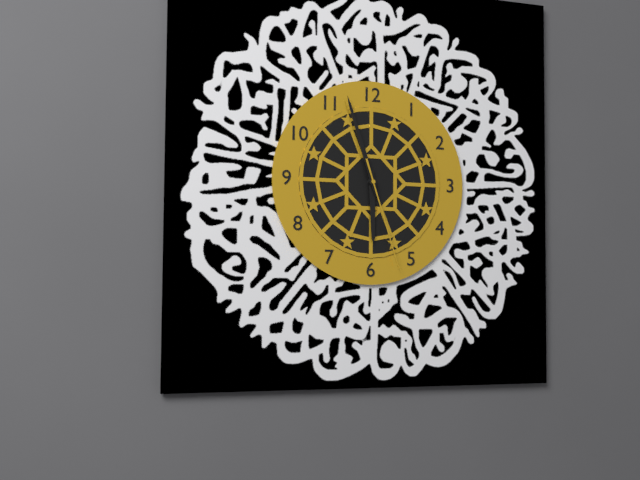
5.57.27
